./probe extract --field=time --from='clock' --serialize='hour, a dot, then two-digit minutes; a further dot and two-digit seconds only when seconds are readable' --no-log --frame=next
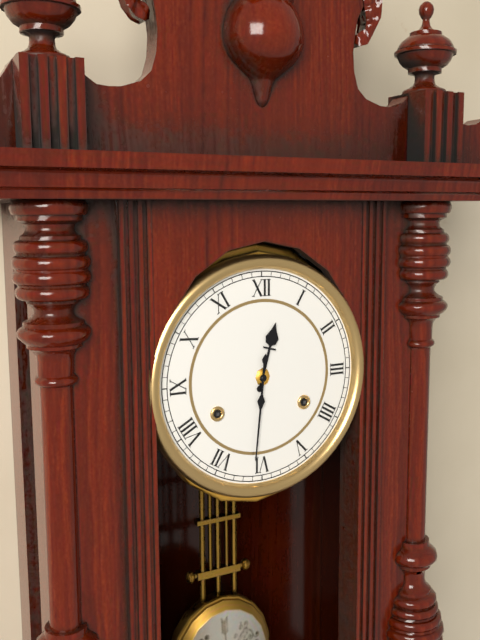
12.31
